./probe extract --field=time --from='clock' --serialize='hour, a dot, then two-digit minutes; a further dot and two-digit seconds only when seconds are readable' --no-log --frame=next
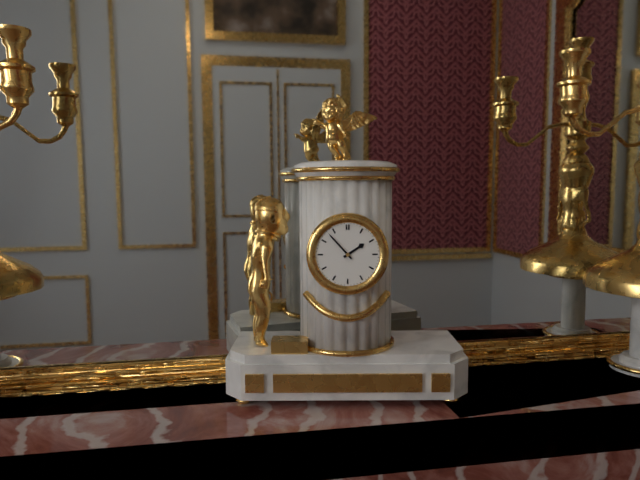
1.53
